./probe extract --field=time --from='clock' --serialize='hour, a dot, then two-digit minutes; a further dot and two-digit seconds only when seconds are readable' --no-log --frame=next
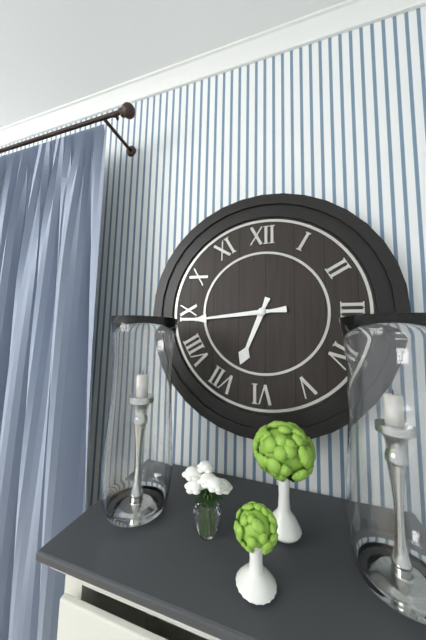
6.44
